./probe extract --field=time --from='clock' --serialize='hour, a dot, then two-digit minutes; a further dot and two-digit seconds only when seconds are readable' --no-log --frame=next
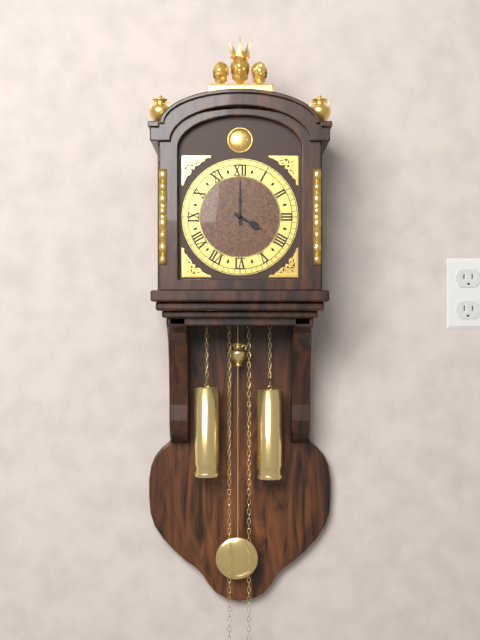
4.00
